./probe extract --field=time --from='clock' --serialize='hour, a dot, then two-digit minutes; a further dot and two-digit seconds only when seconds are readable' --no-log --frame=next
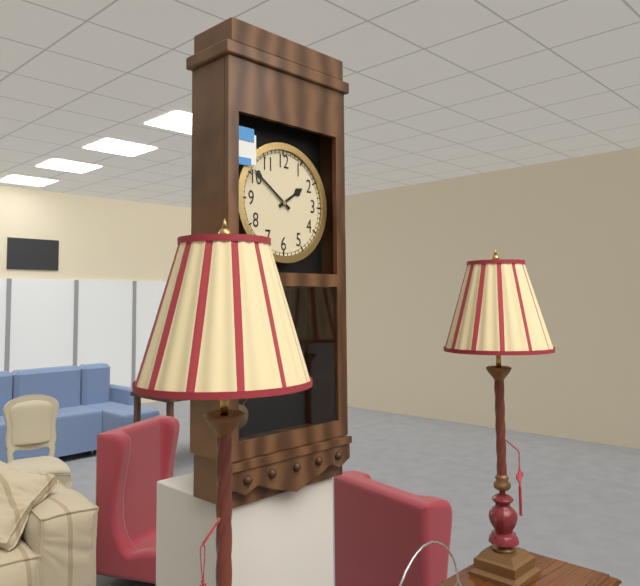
1.51
